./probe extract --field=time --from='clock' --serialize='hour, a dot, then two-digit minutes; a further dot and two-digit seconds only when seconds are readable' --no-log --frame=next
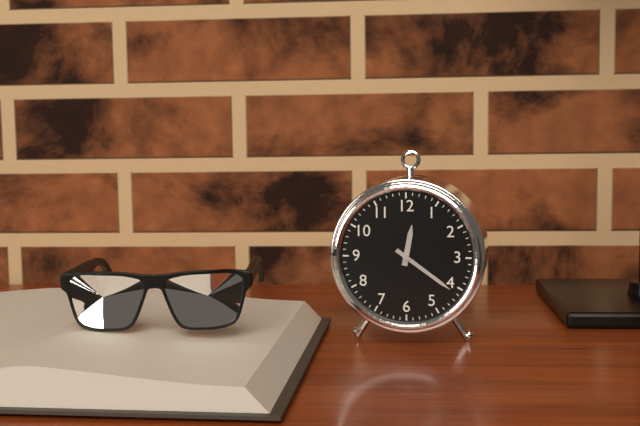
12.21
